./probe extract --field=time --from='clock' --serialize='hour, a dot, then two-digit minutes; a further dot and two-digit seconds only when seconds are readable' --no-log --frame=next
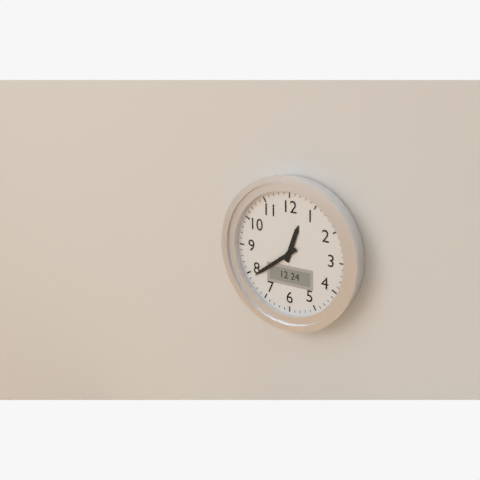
12.39
